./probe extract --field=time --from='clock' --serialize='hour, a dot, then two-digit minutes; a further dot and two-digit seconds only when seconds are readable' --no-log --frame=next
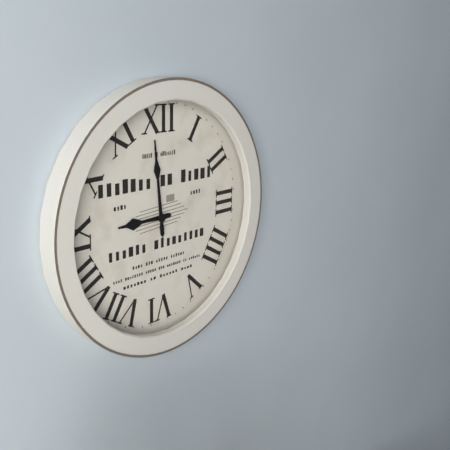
8.59
